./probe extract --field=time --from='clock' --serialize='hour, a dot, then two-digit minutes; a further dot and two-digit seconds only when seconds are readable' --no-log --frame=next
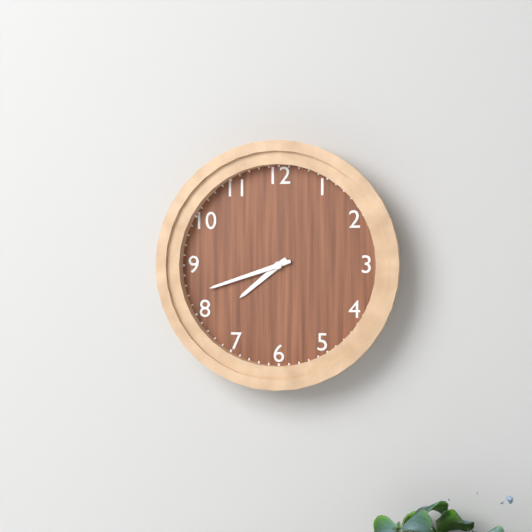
7.42
